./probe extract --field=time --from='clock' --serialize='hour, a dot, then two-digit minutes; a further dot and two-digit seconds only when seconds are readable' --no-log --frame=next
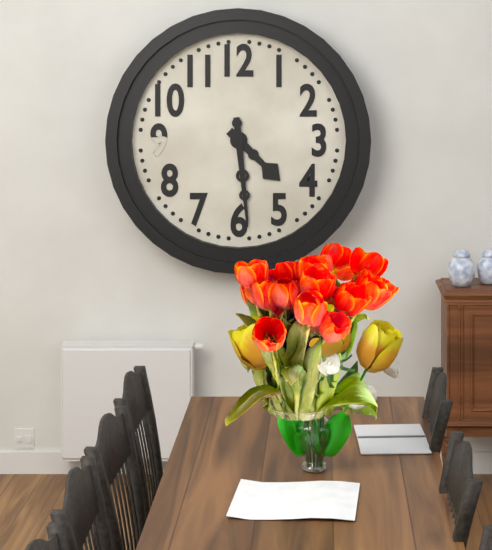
4.29
